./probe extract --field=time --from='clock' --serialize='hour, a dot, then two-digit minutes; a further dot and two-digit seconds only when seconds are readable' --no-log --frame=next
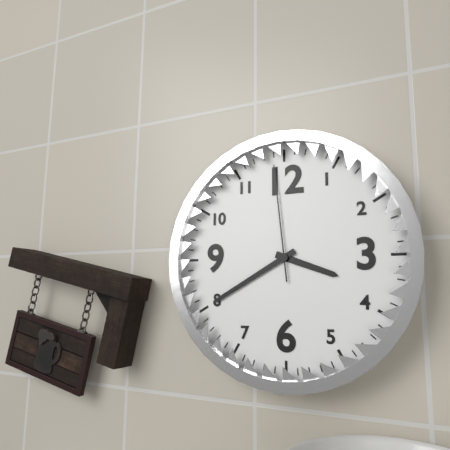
3.40.59
